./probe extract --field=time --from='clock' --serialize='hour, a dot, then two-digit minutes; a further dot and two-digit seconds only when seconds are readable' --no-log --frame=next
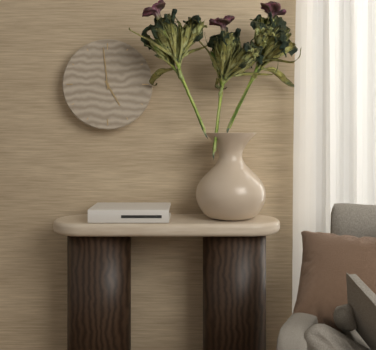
4.59
